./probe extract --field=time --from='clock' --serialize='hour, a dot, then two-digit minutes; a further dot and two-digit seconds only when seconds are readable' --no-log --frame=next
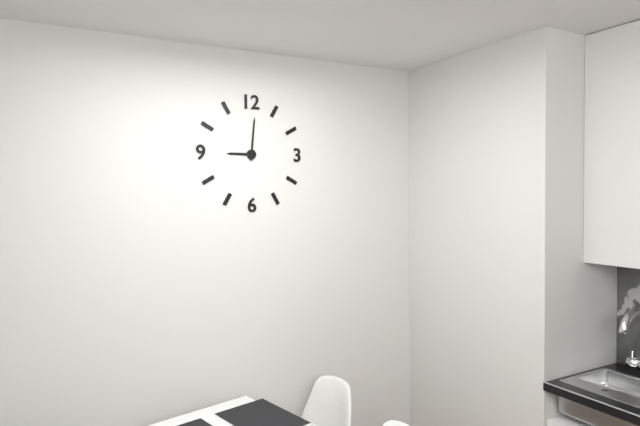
9.01
